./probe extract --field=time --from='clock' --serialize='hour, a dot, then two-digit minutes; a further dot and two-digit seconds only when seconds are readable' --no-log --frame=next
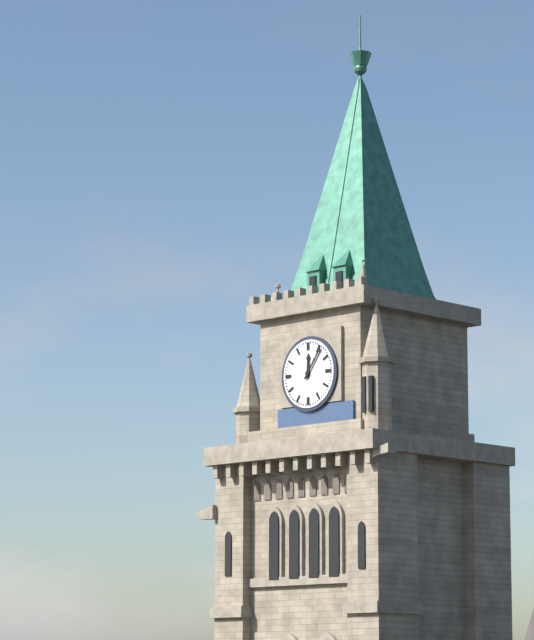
12.06
